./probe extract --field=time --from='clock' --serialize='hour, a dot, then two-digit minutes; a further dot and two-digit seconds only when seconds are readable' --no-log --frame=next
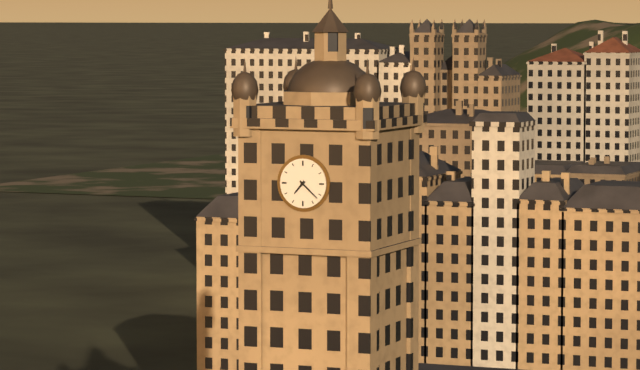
7.22
